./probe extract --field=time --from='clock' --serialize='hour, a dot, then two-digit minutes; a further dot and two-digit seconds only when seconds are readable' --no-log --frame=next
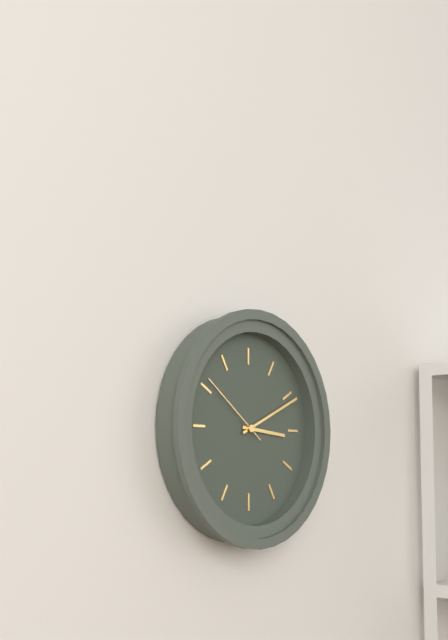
3.11.51
